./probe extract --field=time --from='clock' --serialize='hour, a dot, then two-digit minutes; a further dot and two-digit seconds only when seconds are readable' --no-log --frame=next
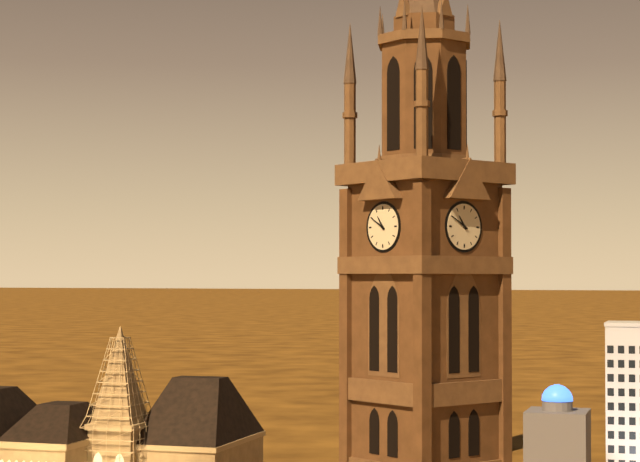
10.50
